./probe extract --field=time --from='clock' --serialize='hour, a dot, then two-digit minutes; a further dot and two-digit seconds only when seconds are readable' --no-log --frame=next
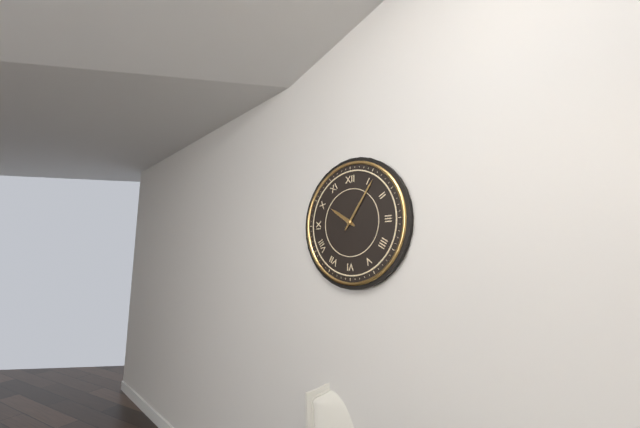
10.06
